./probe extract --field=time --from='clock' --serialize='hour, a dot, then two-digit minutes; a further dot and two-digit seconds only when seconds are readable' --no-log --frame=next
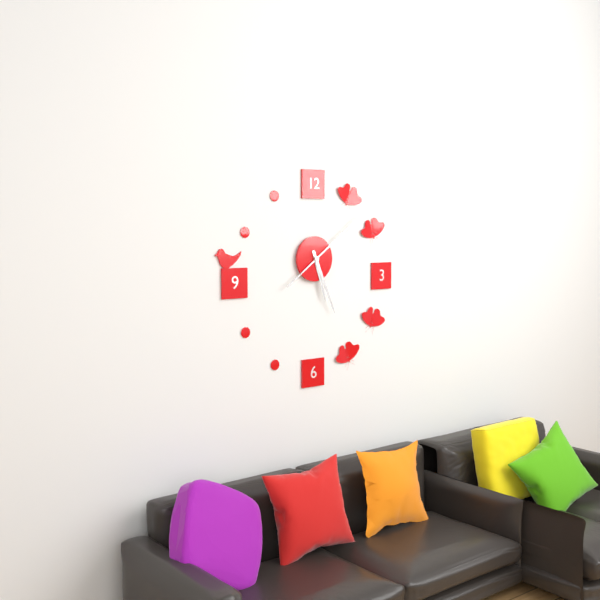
5.26.09
